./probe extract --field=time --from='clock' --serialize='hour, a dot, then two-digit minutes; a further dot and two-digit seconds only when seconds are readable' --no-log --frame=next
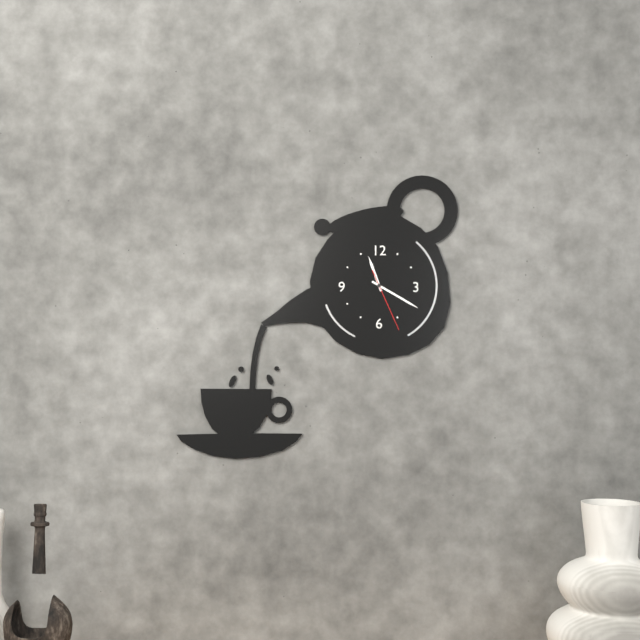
11.20.26
